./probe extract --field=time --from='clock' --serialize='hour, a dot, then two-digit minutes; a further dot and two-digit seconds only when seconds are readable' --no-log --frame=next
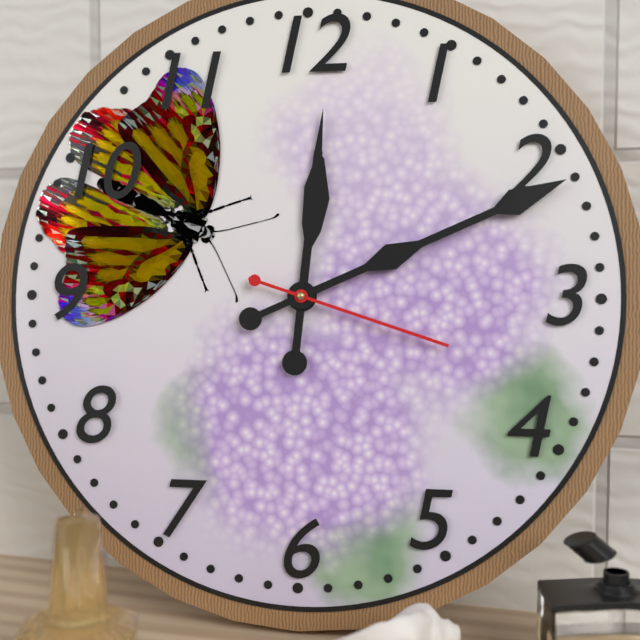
12.11.18
